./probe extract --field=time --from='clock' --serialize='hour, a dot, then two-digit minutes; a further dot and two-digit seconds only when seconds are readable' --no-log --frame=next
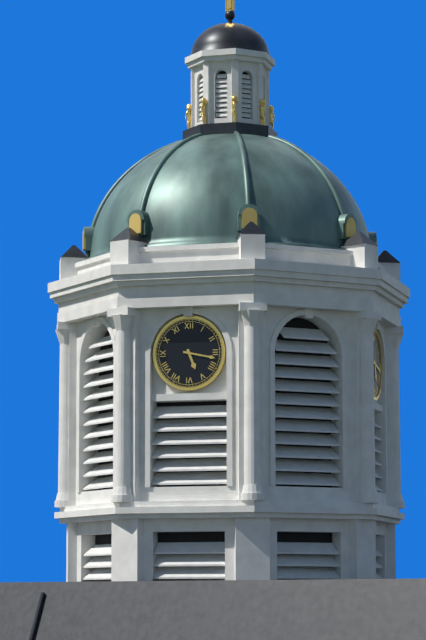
5.17
